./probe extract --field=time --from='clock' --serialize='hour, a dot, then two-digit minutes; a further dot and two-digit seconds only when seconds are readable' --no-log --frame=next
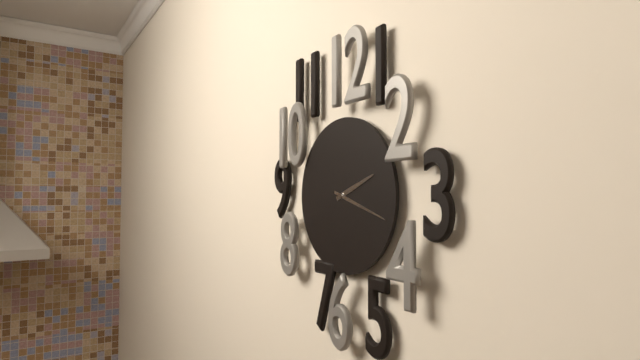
2.18
